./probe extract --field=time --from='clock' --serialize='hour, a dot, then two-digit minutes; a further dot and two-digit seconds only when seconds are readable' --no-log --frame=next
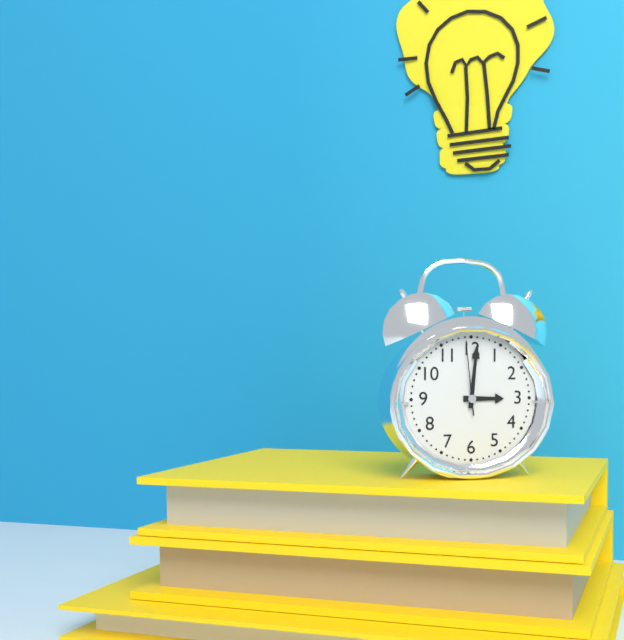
3.01.59
